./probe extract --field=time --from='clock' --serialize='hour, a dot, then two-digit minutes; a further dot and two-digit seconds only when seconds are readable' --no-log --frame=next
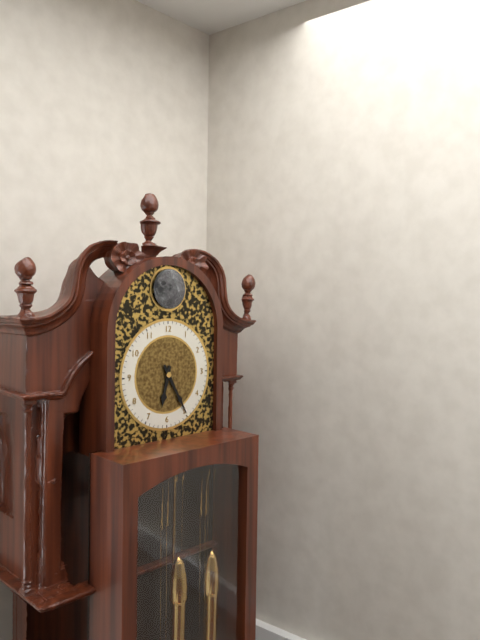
6.25
